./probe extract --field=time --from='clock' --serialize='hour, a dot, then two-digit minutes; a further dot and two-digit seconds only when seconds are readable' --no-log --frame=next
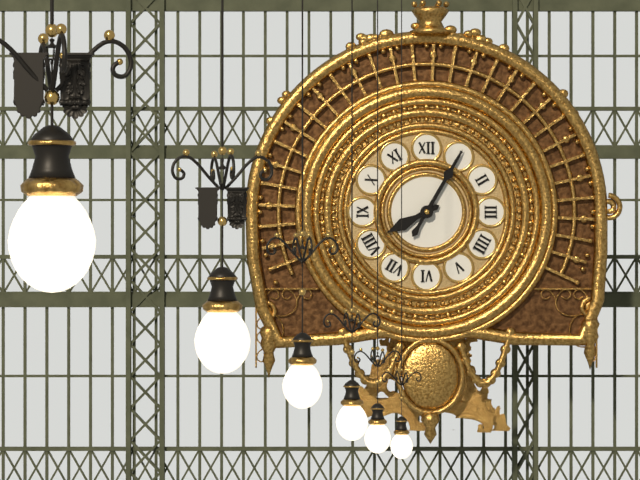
8.05
